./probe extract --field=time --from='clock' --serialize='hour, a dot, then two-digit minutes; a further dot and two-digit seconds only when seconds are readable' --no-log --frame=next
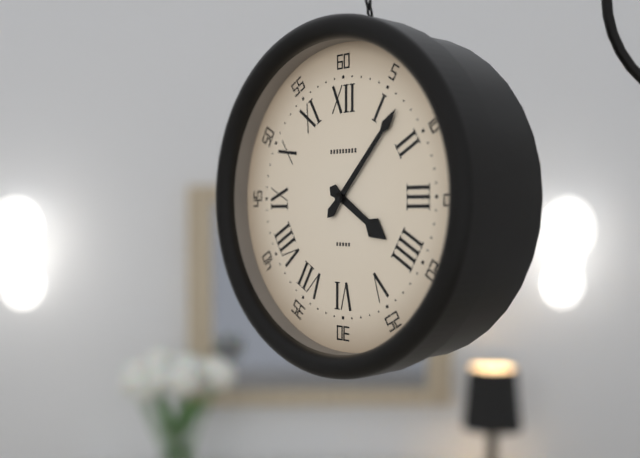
4.07
